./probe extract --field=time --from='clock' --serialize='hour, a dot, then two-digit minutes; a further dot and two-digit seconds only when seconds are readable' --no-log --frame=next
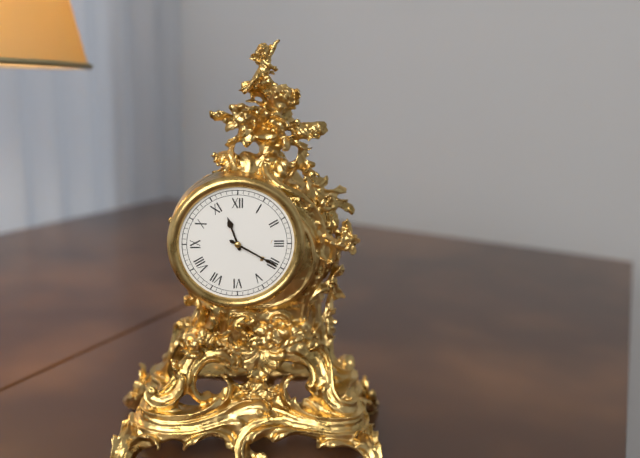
11.20
